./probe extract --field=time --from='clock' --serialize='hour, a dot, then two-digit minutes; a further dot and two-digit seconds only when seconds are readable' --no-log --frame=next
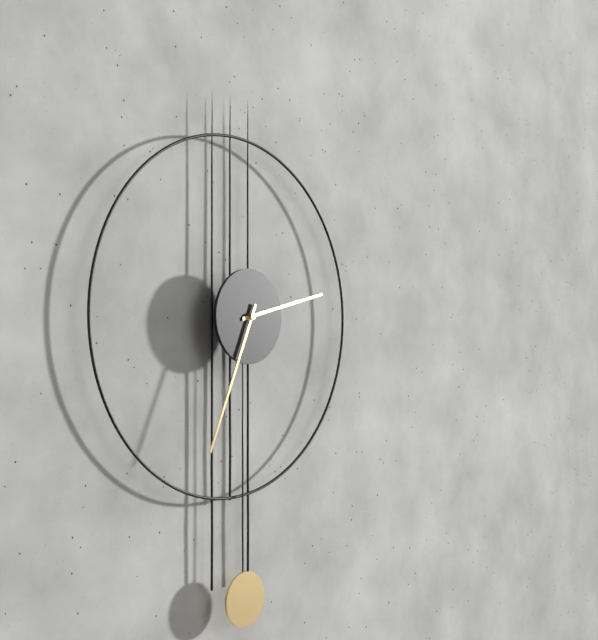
2.34
